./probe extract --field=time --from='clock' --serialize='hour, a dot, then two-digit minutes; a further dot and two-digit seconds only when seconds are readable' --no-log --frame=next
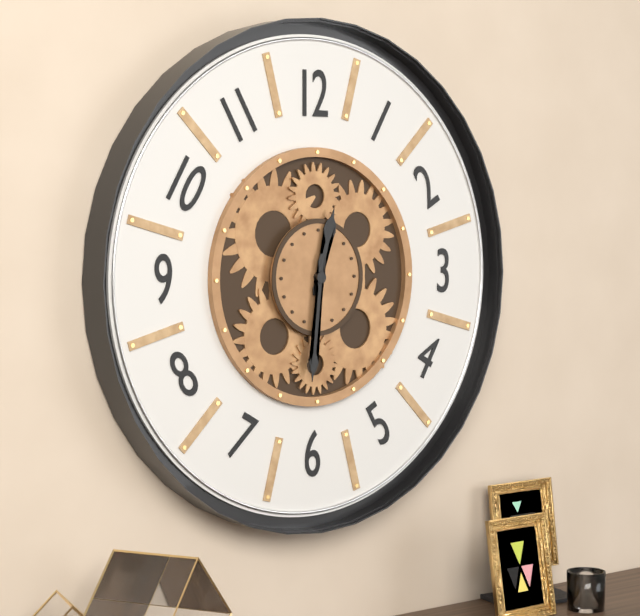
12.31
